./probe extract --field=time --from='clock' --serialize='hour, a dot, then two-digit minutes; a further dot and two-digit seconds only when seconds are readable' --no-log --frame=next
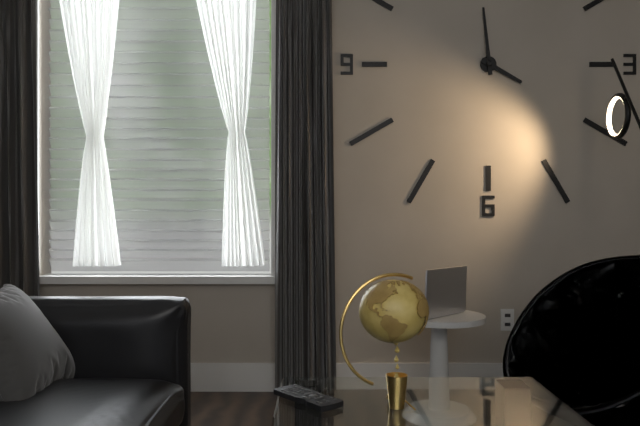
3.59
